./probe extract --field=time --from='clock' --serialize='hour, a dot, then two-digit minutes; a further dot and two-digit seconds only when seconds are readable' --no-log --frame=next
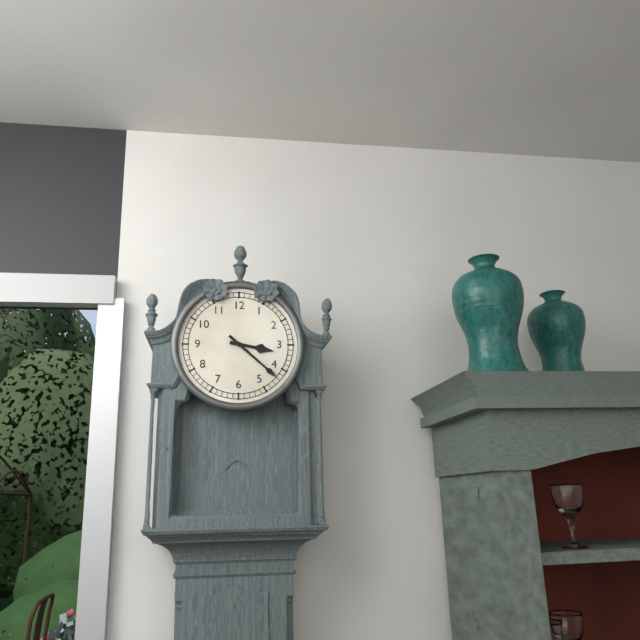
3.22
